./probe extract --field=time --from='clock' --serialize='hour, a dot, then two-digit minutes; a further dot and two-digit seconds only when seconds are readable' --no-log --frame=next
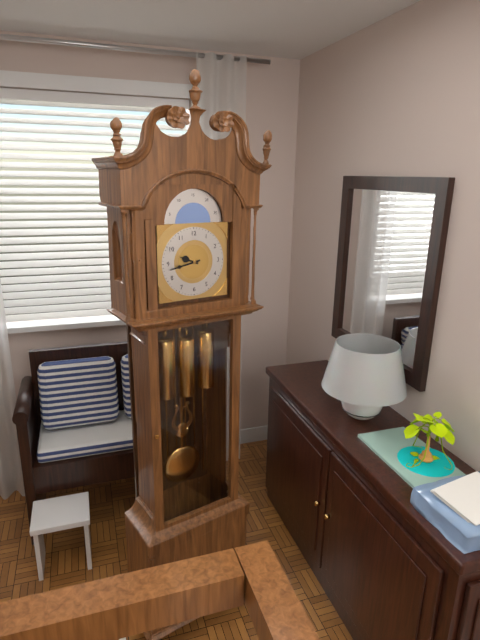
9.43
